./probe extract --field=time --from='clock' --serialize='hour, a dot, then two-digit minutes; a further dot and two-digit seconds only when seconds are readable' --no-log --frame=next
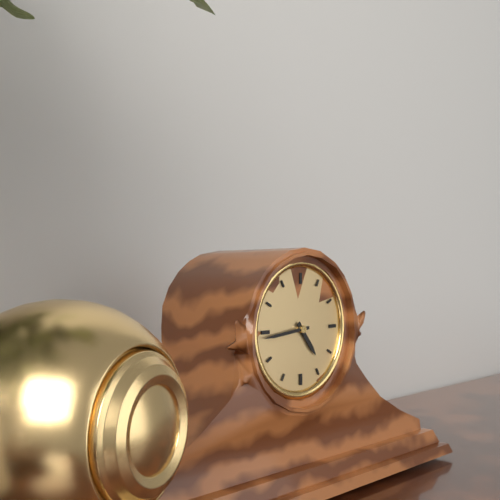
4.44
